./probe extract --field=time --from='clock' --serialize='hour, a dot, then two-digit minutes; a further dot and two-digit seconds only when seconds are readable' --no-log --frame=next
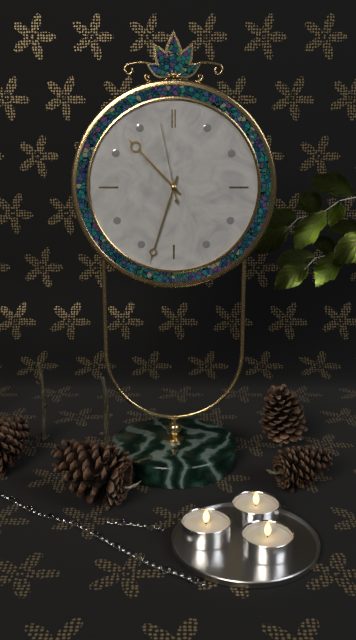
10.33.58
